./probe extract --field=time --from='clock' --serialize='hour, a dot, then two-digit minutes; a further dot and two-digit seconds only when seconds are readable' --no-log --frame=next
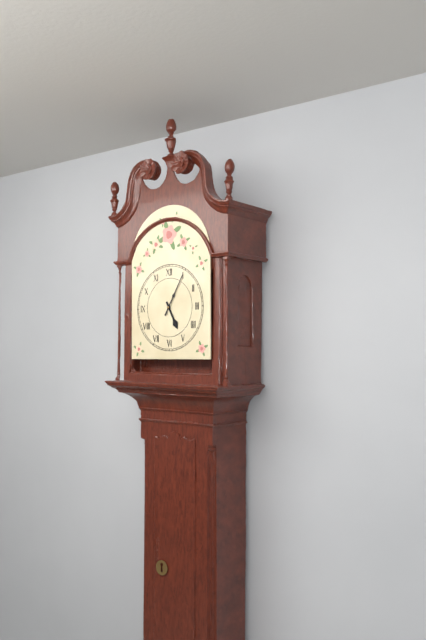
5.05
